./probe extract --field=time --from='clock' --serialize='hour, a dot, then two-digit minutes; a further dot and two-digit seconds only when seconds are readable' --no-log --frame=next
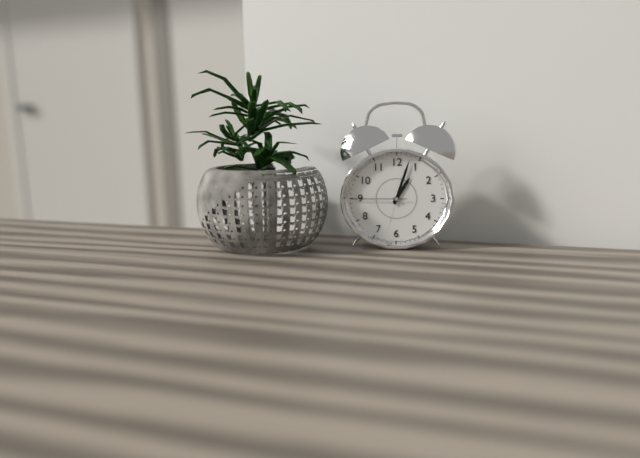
1.03.45
